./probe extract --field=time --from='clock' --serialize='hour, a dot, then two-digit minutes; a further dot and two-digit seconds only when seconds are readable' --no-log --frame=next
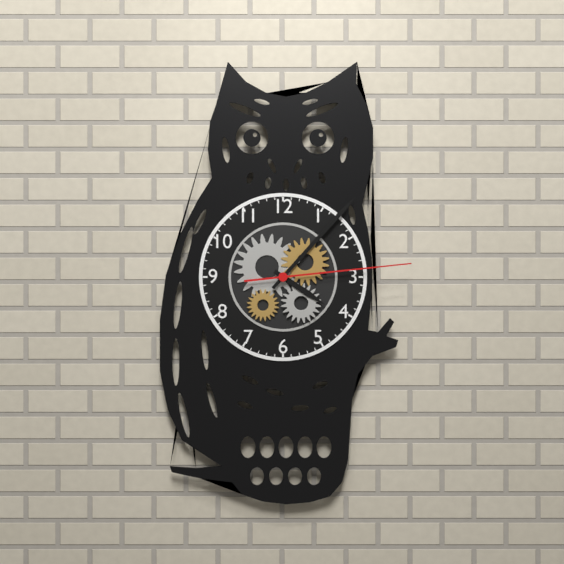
4.07.14
